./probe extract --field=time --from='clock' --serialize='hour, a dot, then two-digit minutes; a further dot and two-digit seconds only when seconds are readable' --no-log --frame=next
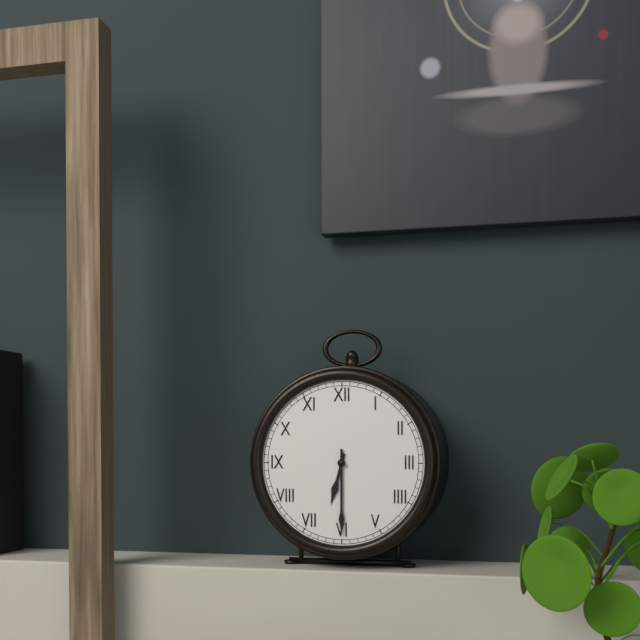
6.30
